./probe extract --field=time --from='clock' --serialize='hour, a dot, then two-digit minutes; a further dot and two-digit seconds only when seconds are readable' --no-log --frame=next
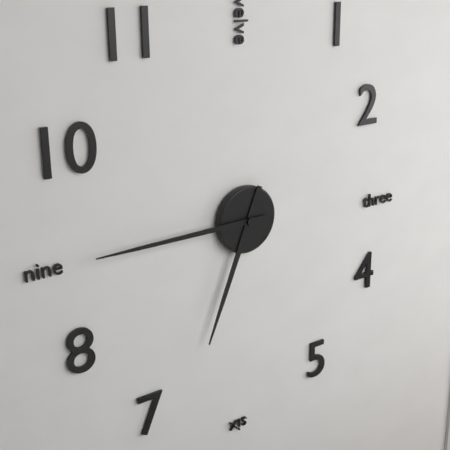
6.45
